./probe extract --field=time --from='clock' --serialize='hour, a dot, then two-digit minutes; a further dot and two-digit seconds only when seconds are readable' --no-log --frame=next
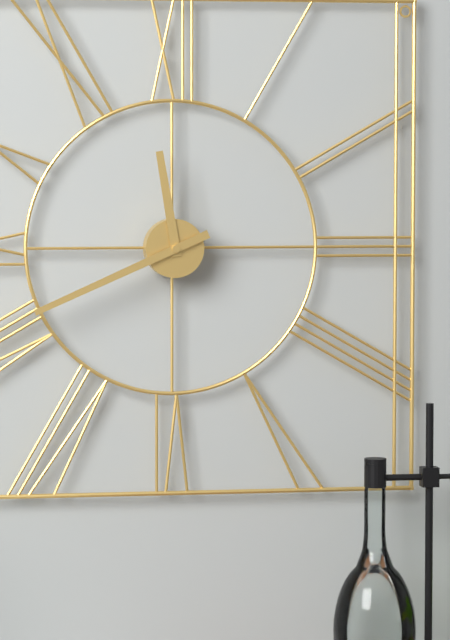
11.41
